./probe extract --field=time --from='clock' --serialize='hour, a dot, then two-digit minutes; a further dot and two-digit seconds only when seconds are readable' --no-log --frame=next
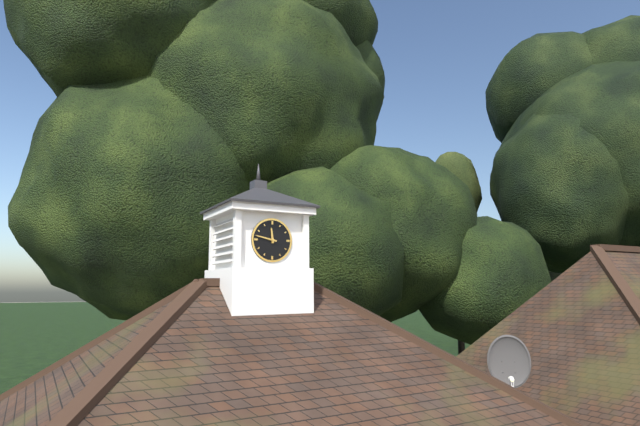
11.47
